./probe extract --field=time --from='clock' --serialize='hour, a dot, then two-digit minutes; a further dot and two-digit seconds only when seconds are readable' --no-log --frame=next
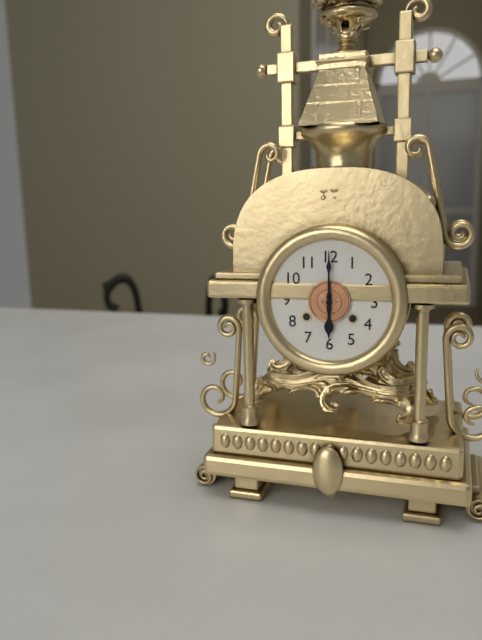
6.00
